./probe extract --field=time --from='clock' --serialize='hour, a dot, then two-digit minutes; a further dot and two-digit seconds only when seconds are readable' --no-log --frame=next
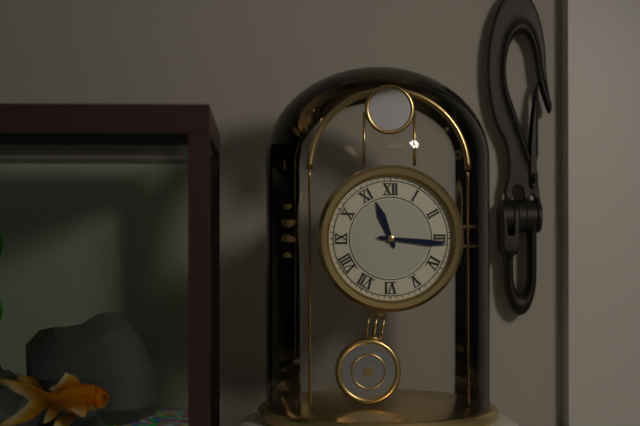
11.16
